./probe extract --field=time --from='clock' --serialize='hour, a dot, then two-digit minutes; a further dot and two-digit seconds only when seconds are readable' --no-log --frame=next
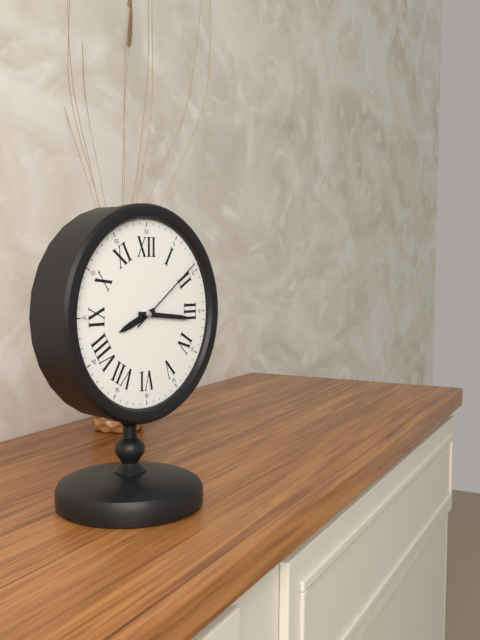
8.16.09
